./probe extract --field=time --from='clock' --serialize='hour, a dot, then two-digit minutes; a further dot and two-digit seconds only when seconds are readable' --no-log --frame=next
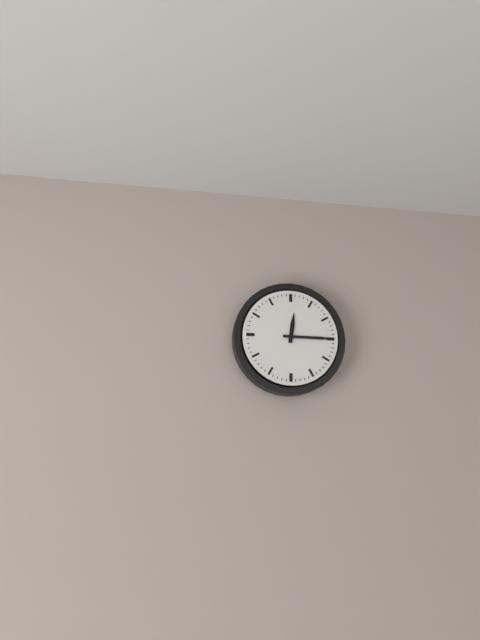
12.15
